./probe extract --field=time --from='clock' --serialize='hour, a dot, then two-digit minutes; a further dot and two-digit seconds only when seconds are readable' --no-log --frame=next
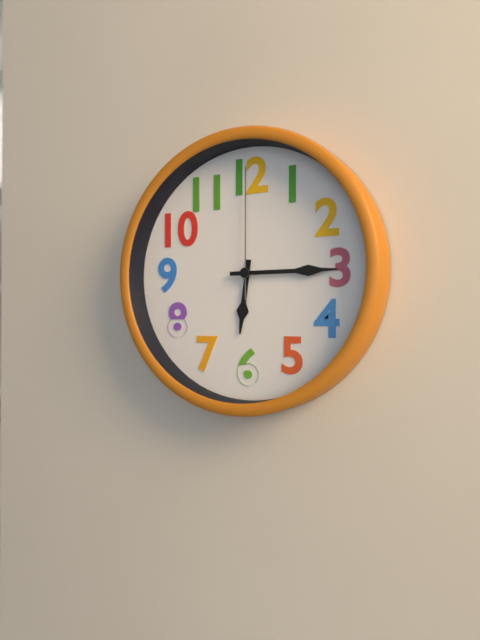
6.15.00
